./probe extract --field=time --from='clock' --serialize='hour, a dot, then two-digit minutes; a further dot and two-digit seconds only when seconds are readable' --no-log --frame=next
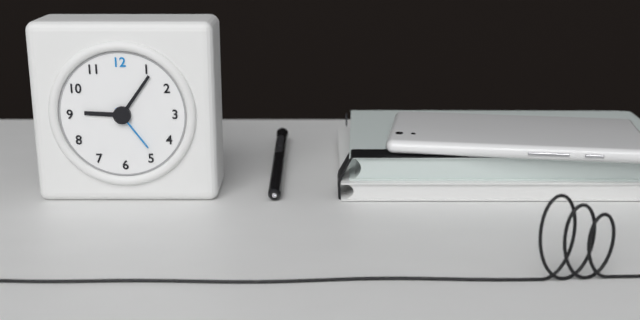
9.06.24
